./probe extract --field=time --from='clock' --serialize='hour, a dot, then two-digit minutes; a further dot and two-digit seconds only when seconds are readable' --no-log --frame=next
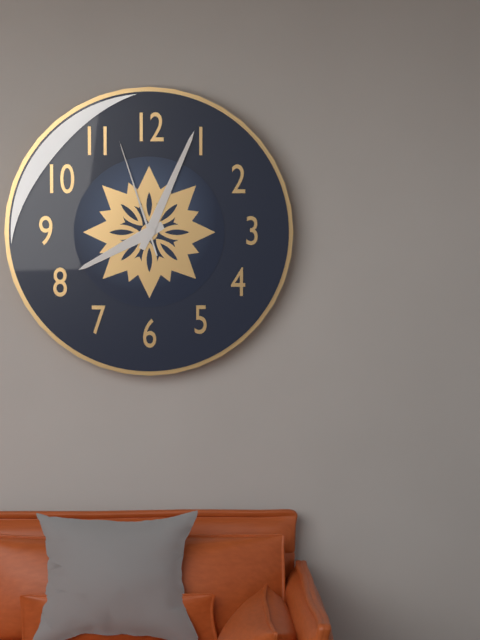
8.04.57
